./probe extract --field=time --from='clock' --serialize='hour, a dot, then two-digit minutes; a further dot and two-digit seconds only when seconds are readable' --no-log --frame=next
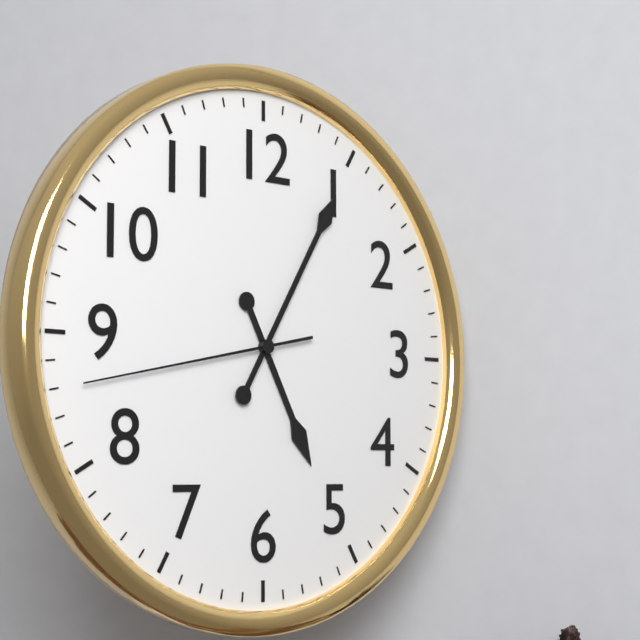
5.05.43
